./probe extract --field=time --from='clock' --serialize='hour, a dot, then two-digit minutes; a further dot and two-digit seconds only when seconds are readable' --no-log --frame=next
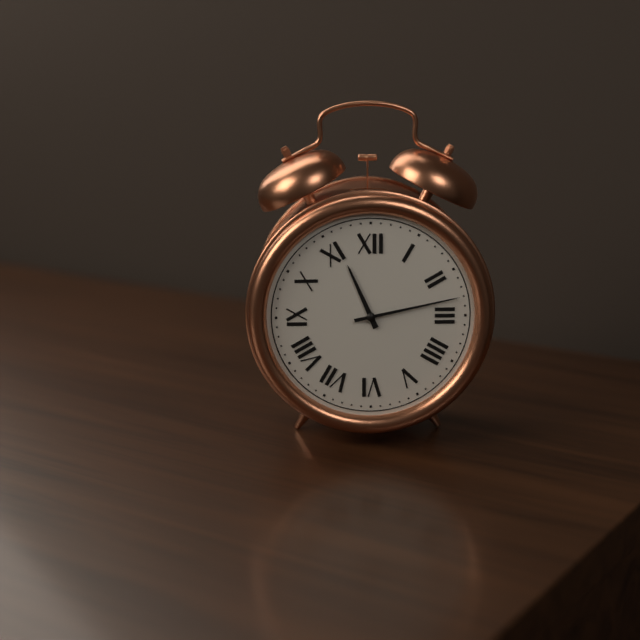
11.13
